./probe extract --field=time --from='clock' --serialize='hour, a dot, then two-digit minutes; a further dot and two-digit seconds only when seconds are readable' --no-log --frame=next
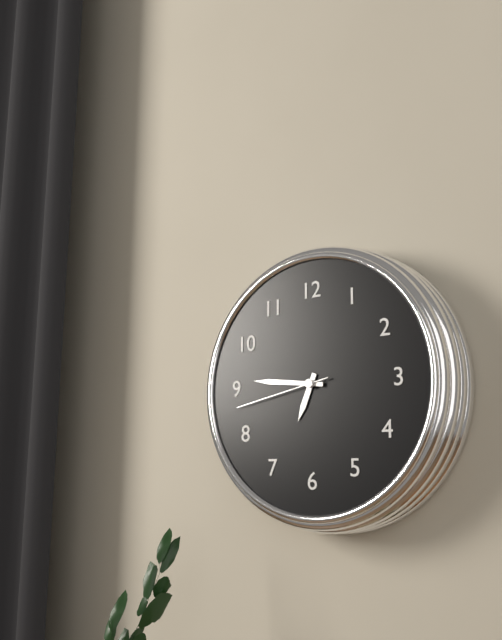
6.46.43
